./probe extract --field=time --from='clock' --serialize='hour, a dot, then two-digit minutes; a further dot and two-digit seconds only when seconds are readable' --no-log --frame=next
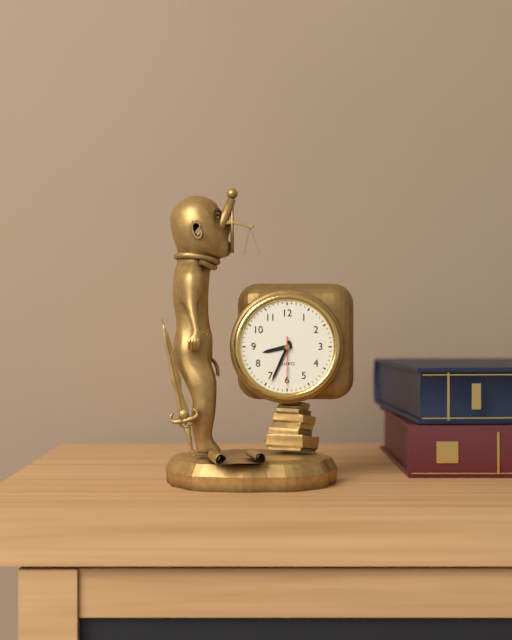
8.34.30
